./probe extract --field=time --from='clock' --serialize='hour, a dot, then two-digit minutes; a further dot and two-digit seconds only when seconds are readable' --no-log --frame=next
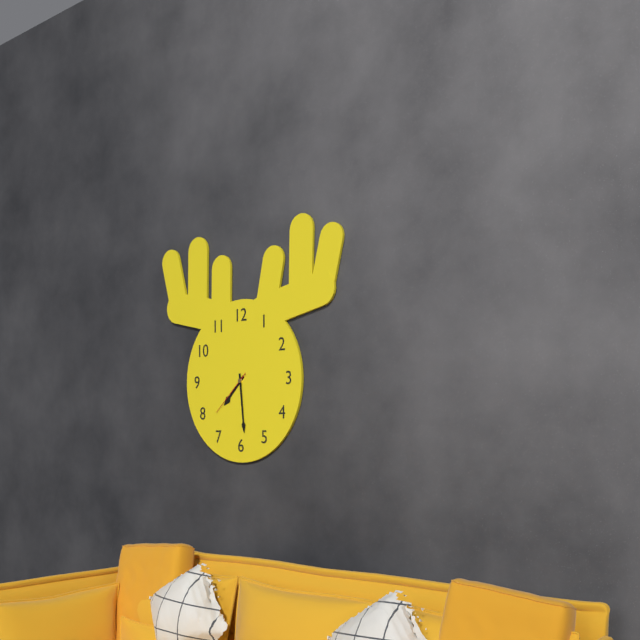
7.29.38
